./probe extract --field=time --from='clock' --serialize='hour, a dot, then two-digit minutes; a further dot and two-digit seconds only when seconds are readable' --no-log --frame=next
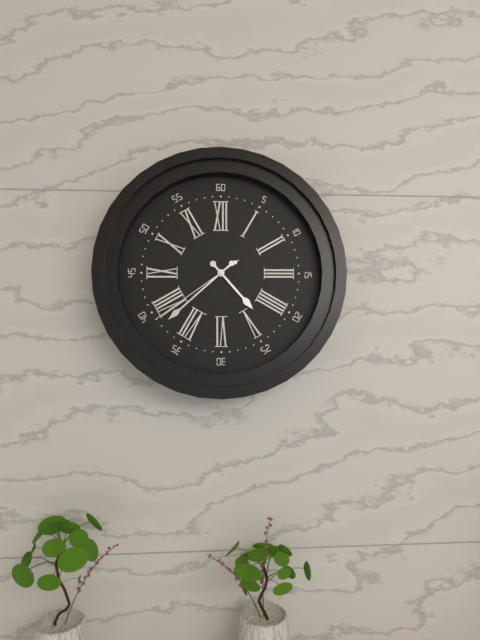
4.38.39
